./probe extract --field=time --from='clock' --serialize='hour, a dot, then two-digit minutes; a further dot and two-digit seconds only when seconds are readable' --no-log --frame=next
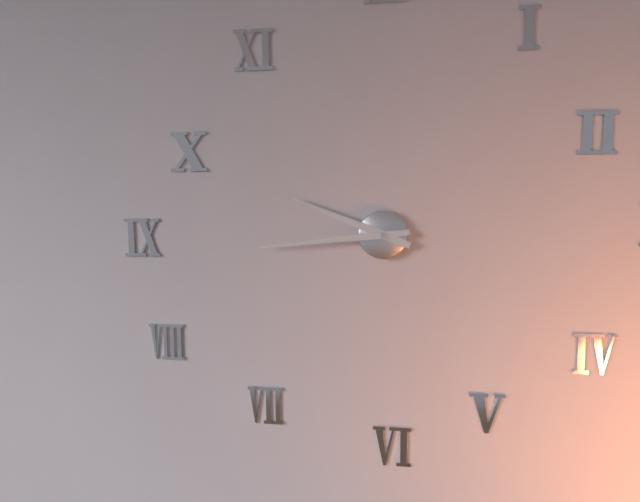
9.44
